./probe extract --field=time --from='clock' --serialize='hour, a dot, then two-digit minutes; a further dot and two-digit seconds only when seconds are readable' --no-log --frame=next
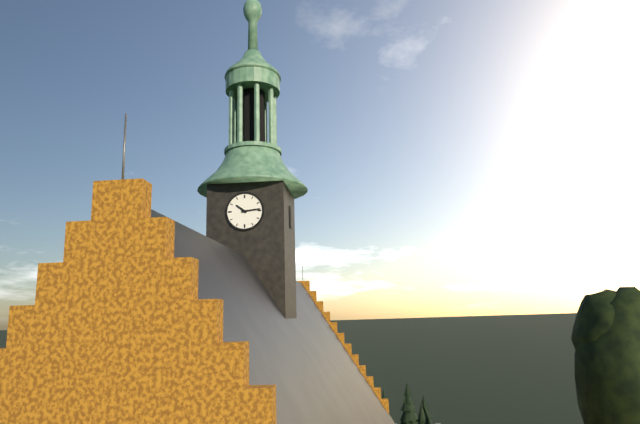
10.14
